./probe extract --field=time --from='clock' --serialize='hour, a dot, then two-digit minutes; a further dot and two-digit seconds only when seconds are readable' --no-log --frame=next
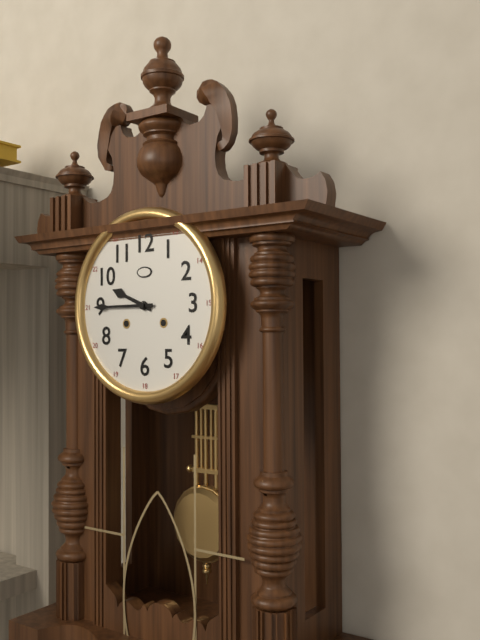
9.45
